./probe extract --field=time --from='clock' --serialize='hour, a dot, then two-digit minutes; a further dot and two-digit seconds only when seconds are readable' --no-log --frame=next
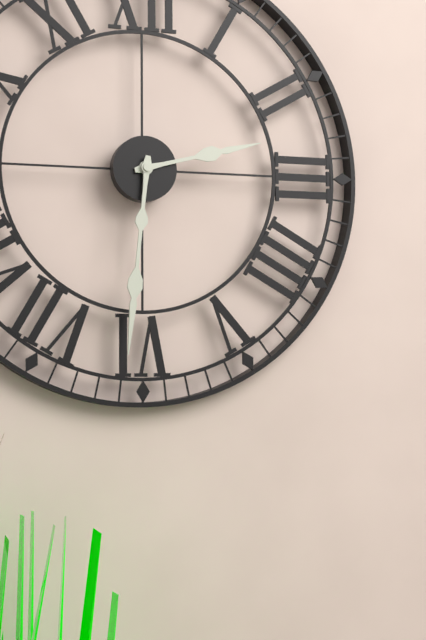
2.31
